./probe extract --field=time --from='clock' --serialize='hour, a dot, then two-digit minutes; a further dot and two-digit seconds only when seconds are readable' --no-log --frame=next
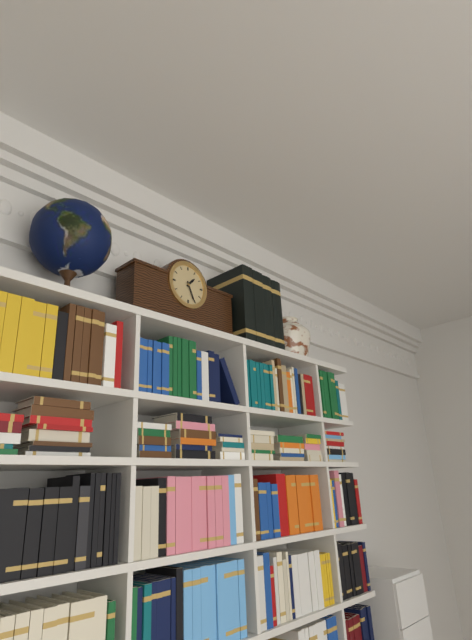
1.26
